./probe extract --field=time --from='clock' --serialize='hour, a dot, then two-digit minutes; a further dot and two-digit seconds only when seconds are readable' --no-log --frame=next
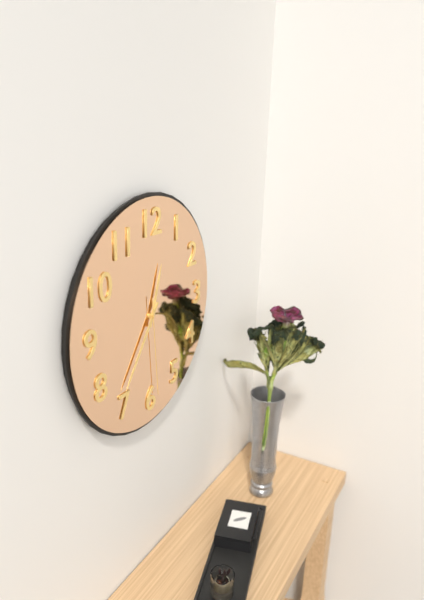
12.36.29
